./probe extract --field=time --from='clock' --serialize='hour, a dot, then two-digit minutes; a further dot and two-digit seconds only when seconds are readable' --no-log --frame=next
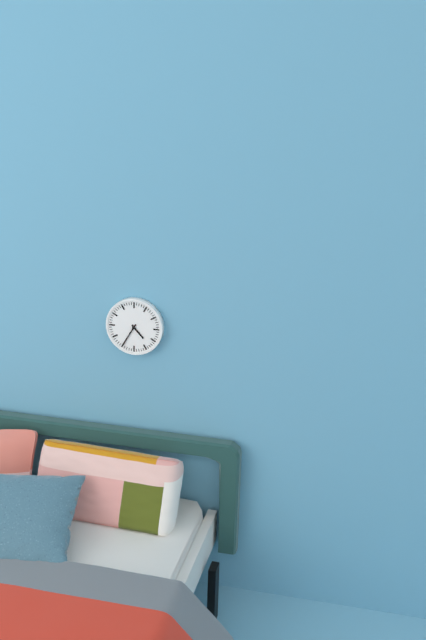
4.35
